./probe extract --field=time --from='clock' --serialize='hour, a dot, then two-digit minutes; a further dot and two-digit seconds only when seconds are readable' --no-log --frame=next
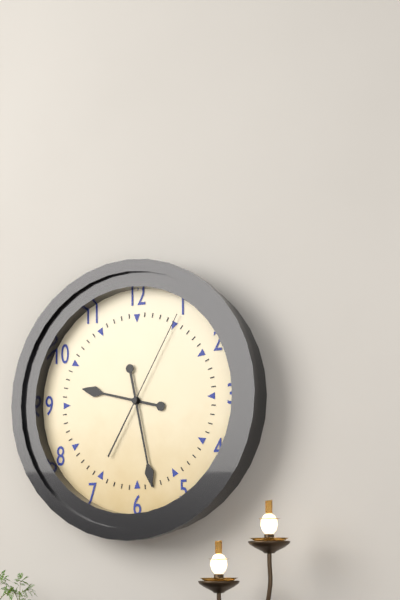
9.28.05
